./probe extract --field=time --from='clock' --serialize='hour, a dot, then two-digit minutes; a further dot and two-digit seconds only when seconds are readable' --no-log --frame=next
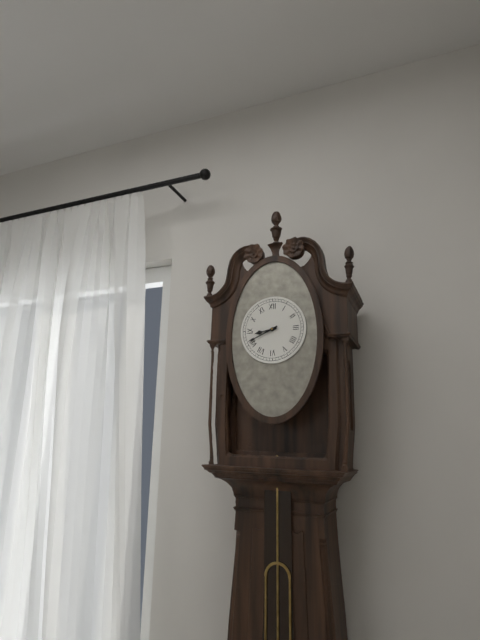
8.41
